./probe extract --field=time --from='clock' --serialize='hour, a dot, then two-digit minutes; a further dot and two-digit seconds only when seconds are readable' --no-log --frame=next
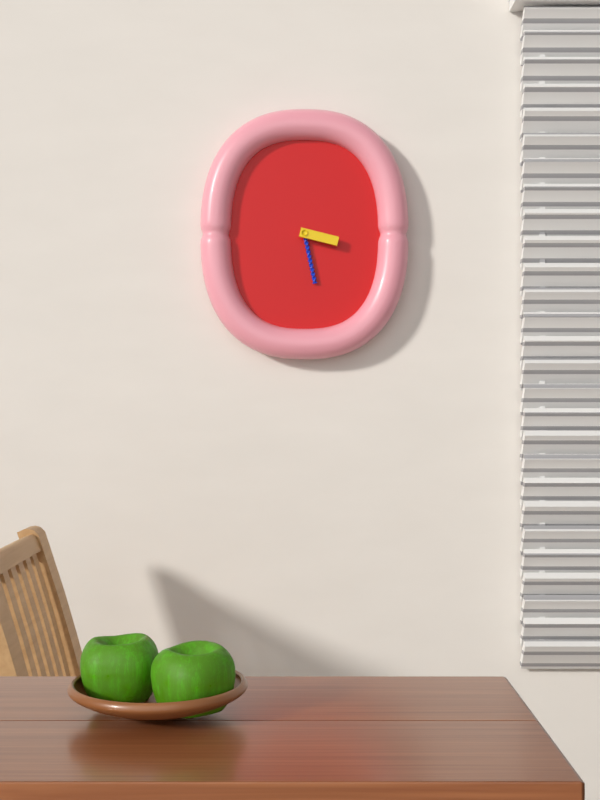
3.28
